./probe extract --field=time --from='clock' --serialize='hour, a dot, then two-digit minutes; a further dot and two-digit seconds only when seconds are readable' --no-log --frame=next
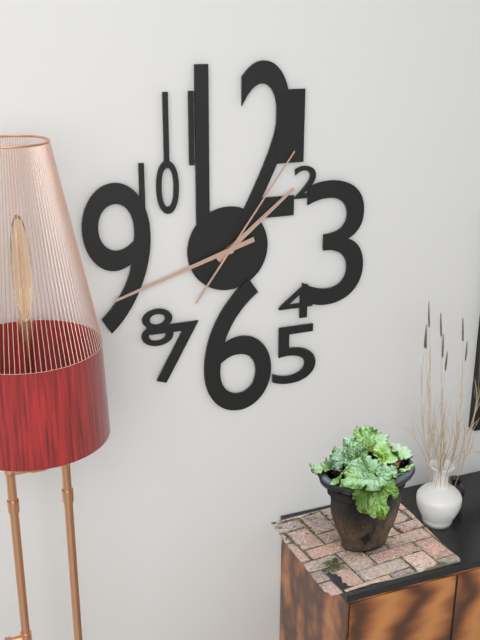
1.42.06
